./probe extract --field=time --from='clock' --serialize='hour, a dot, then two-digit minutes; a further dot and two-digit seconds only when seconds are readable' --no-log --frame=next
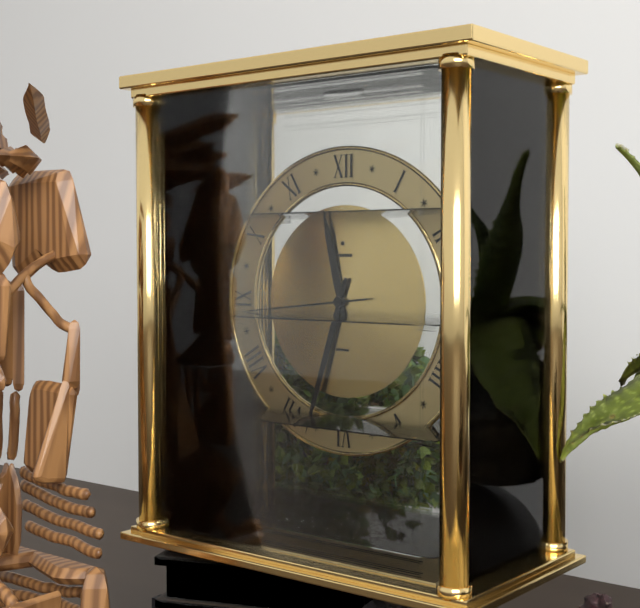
11.33.44
